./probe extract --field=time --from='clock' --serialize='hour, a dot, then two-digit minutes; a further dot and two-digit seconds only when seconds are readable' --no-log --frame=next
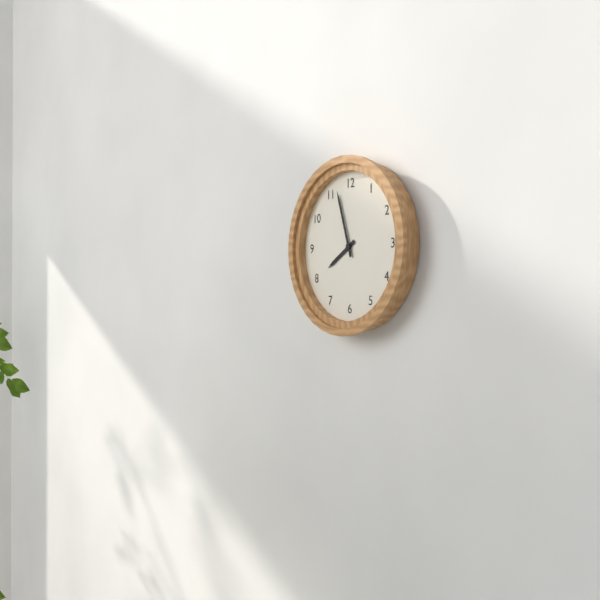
7.57
